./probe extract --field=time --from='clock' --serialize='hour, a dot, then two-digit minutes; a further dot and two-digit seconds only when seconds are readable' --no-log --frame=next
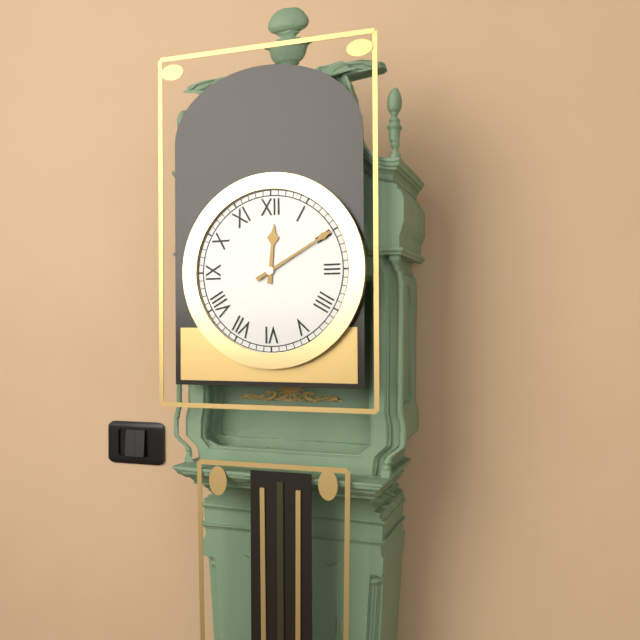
12.10
